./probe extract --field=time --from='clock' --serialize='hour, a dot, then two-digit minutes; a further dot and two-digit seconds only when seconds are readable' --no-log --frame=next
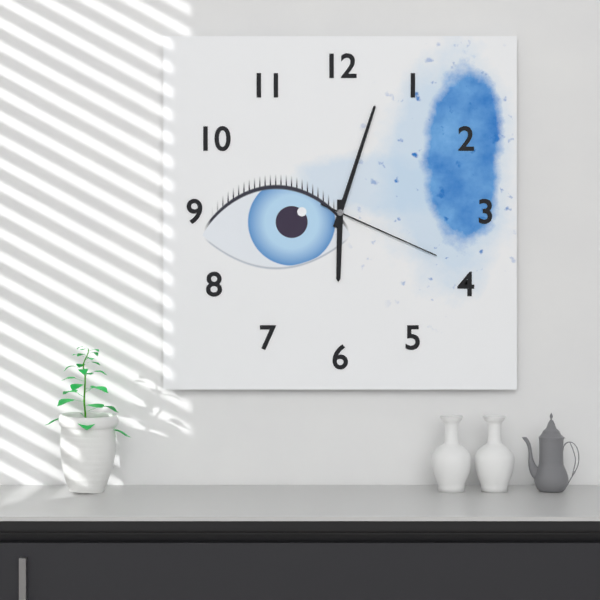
6.03.19
